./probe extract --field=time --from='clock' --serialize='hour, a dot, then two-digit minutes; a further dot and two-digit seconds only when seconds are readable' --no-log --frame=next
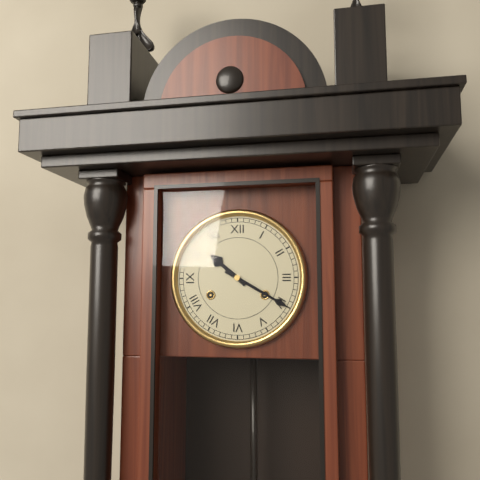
10.20
